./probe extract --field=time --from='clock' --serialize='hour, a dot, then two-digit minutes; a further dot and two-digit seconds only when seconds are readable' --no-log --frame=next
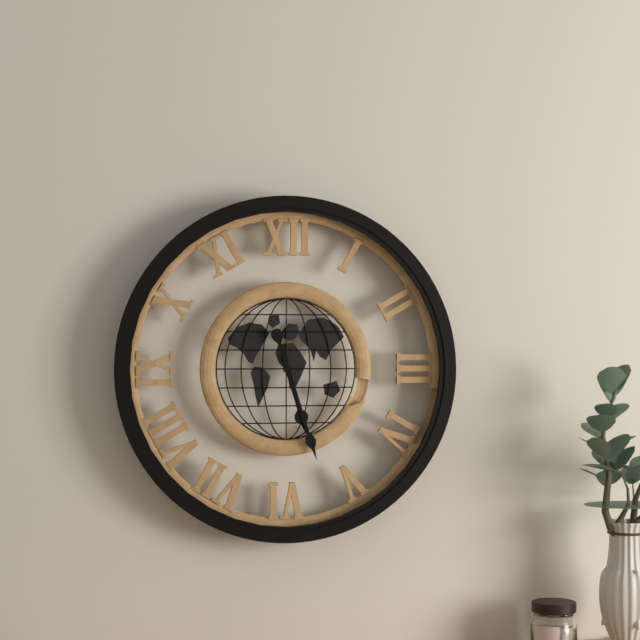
5.27
